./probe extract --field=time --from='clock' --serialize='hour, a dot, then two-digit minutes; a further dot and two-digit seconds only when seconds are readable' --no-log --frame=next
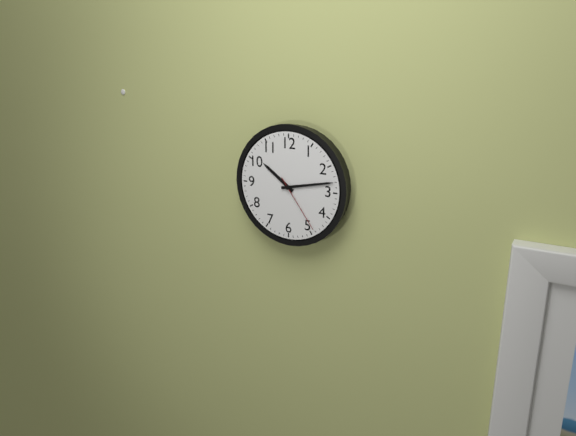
10.13.24
